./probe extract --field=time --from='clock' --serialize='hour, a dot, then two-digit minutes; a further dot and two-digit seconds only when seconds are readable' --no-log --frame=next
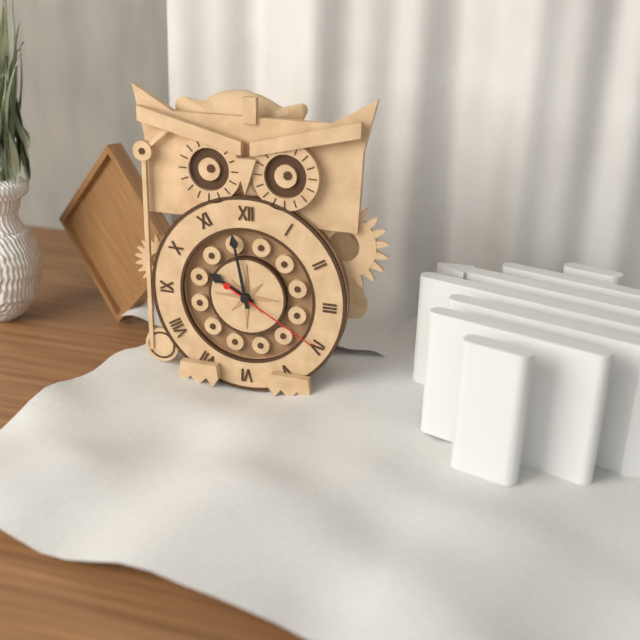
9.58.20
